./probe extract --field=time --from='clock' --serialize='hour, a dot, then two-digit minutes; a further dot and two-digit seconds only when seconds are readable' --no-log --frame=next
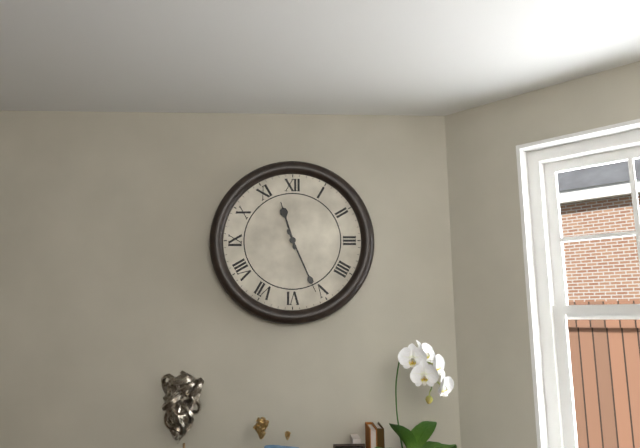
11.26
